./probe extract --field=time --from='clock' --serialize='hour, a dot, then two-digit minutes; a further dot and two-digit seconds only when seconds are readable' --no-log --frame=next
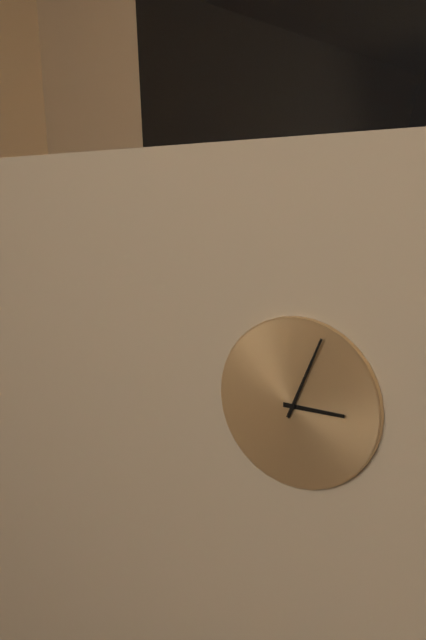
3.04
